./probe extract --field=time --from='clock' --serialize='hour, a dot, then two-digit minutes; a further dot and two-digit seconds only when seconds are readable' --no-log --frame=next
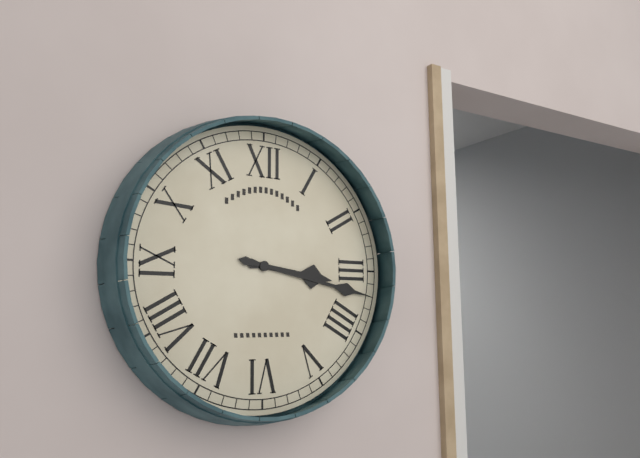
3.17
